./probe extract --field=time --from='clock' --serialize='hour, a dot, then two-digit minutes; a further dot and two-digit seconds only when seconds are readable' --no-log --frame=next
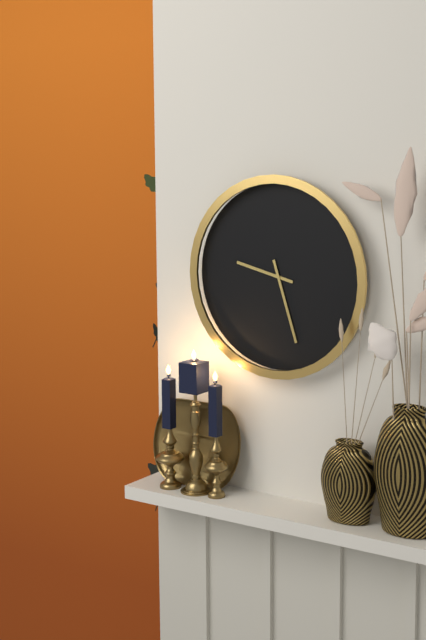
9.27
